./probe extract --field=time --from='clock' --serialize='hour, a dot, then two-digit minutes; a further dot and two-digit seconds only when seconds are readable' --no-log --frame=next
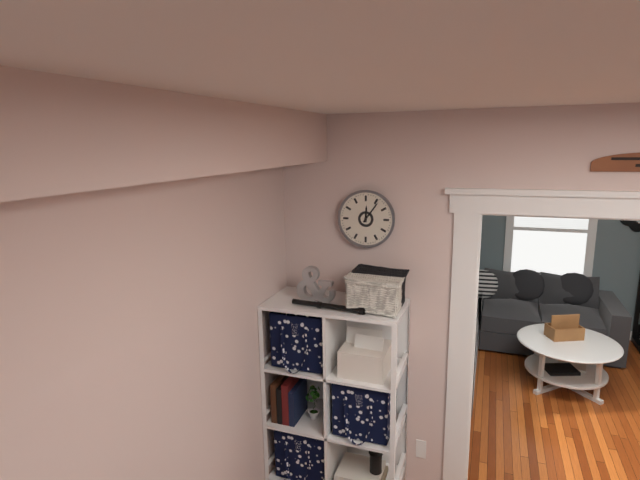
12.06
